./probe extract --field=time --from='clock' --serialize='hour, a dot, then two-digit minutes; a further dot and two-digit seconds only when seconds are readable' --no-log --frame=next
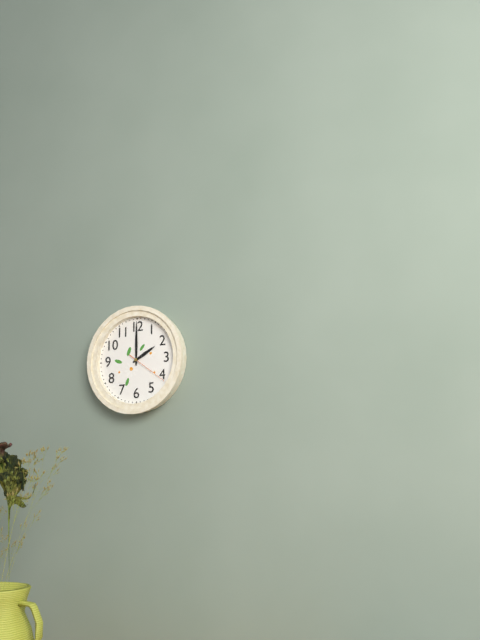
2.00
